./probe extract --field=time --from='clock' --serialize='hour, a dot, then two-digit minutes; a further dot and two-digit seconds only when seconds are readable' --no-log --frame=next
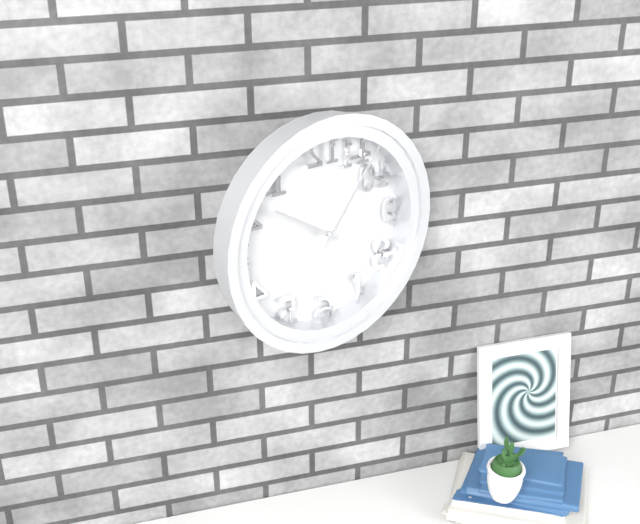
10.06
